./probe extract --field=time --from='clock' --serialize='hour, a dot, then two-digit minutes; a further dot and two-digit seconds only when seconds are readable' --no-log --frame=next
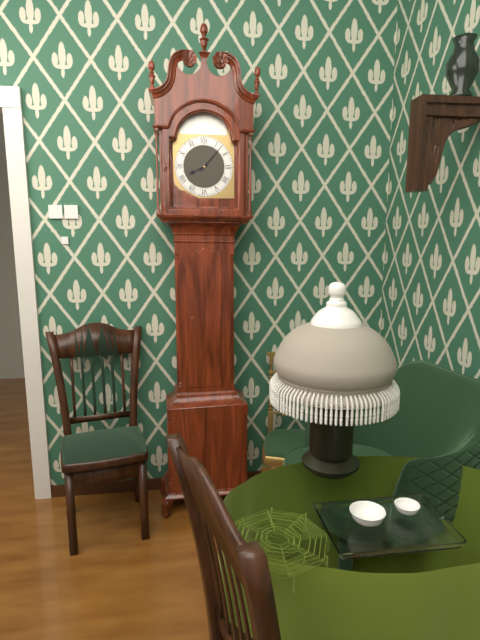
8.07
